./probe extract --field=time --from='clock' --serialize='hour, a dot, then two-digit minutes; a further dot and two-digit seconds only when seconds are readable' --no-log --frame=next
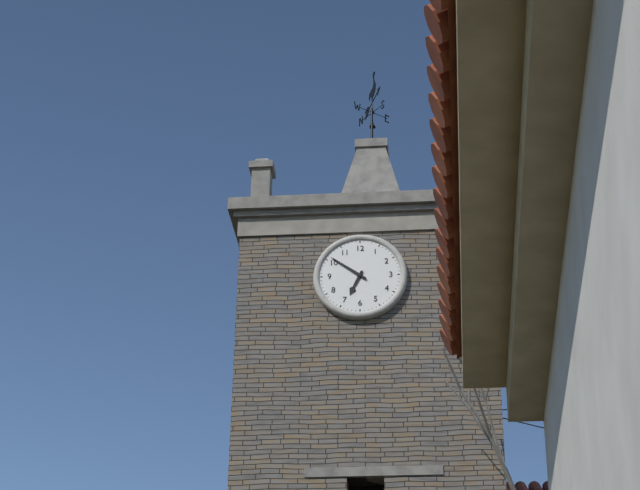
6.51
